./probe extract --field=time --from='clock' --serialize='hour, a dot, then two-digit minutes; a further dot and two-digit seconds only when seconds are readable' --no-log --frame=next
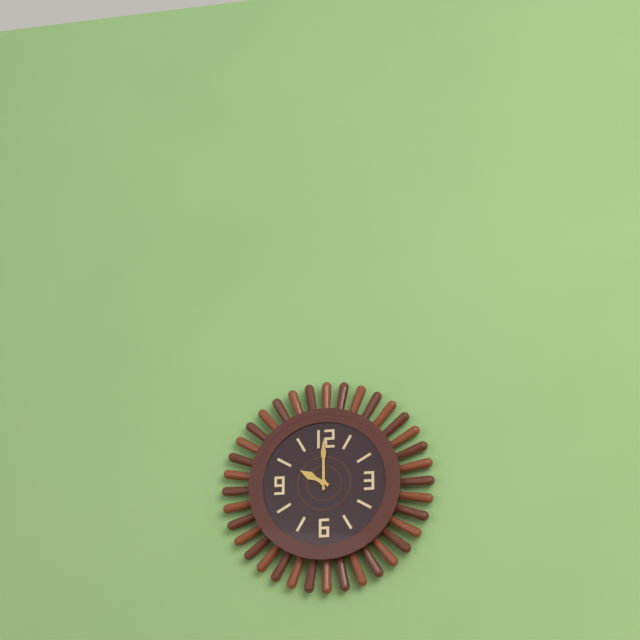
10.00
